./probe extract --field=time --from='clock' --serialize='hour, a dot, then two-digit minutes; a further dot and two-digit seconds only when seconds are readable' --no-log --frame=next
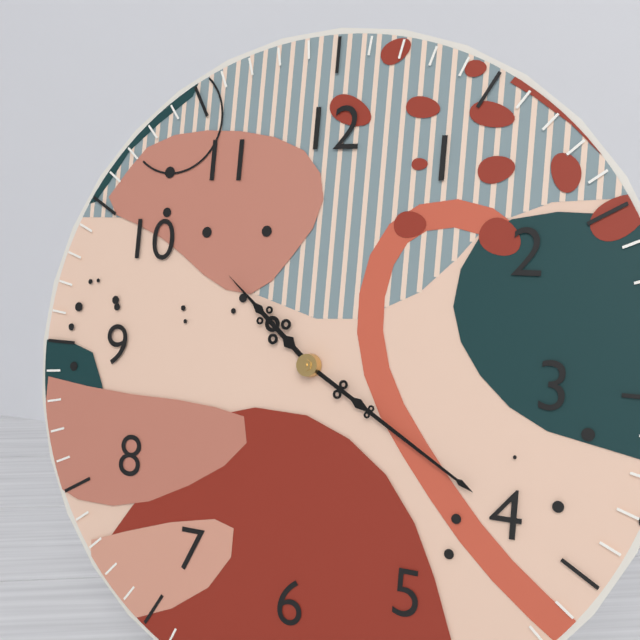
10.20
